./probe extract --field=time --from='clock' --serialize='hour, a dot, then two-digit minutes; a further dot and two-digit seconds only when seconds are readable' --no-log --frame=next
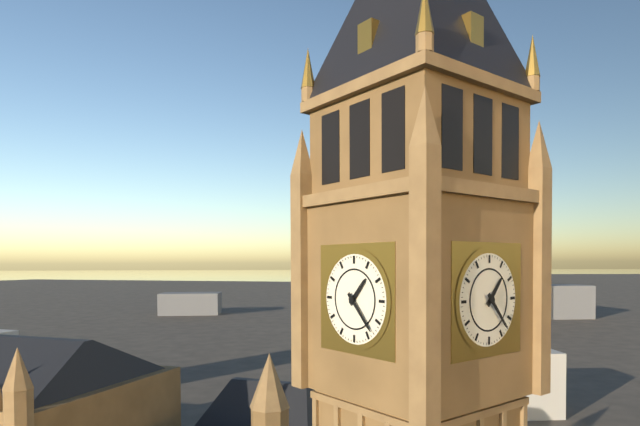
1.23
